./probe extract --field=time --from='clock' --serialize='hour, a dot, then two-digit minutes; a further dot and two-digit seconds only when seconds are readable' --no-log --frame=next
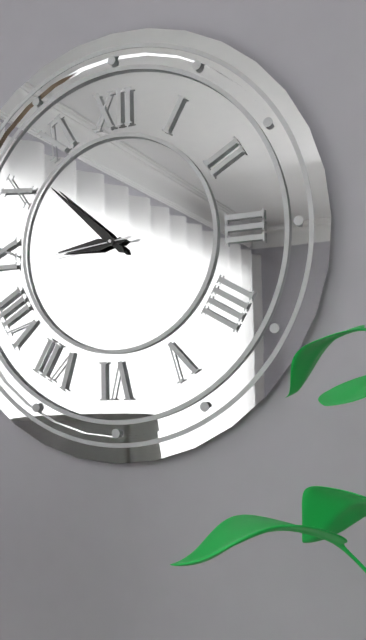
8.52.44
